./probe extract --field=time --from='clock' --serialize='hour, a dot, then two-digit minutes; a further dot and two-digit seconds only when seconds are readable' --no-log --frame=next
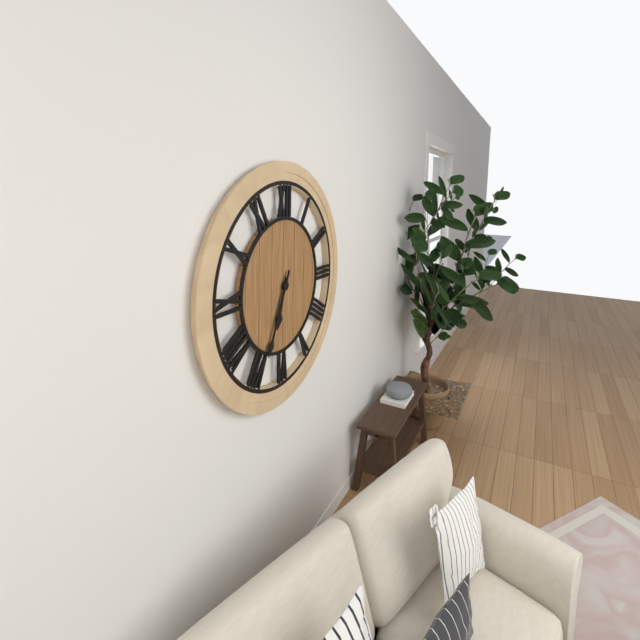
6.34
